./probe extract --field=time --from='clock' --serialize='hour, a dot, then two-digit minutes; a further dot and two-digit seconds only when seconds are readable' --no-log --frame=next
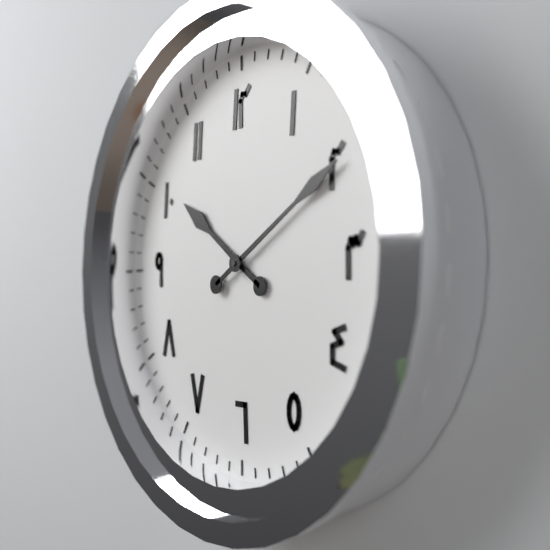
10.10
